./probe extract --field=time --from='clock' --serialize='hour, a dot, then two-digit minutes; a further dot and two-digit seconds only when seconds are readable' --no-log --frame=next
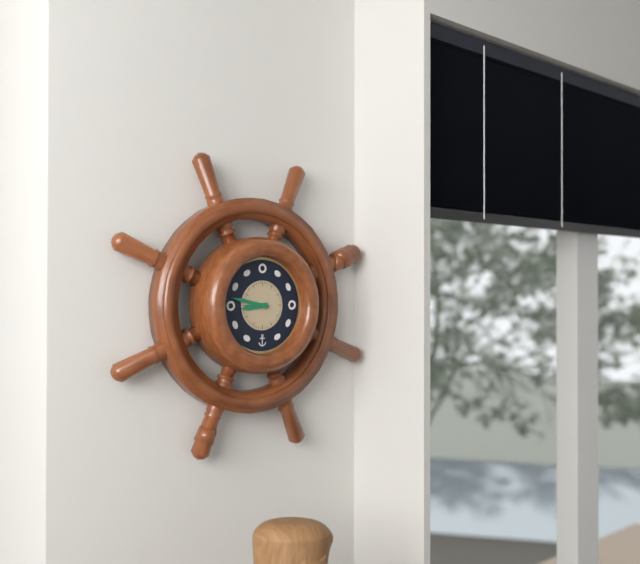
8.47
